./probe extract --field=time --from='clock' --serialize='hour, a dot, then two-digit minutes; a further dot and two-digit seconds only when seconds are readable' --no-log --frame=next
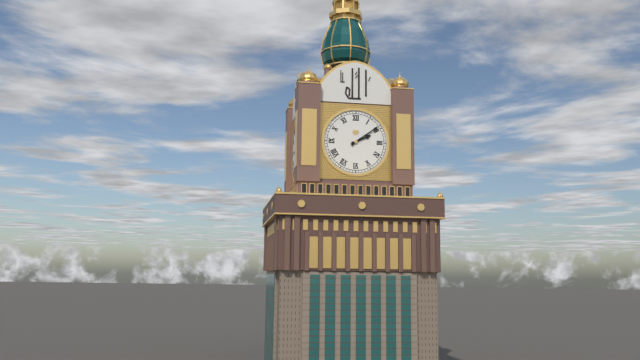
2.09
